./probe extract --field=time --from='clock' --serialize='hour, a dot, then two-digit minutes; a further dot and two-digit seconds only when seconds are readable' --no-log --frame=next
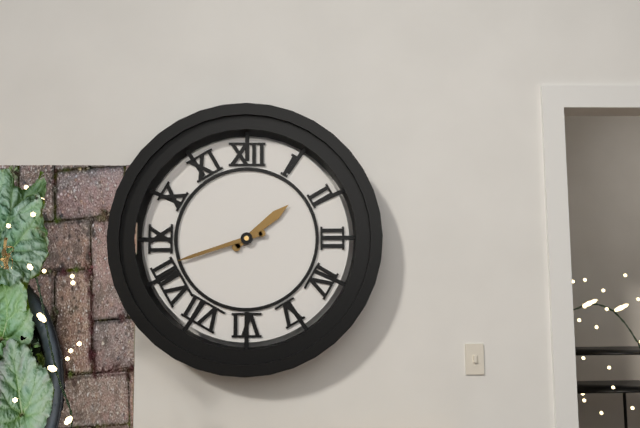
1.42
